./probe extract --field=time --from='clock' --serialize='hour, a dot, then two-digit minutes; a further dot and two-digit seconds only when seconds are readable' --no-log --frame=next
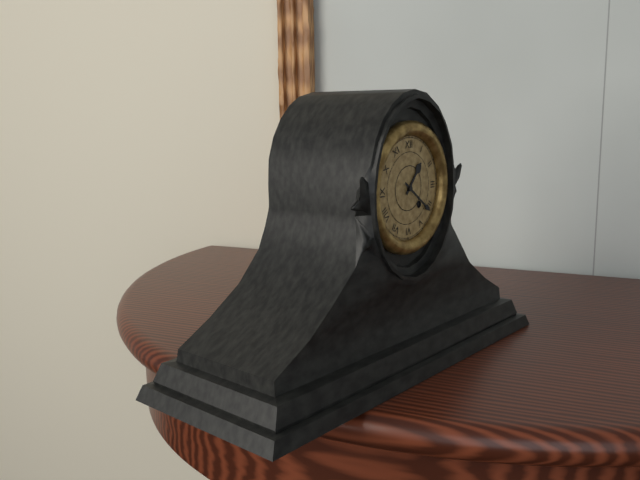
1.21
